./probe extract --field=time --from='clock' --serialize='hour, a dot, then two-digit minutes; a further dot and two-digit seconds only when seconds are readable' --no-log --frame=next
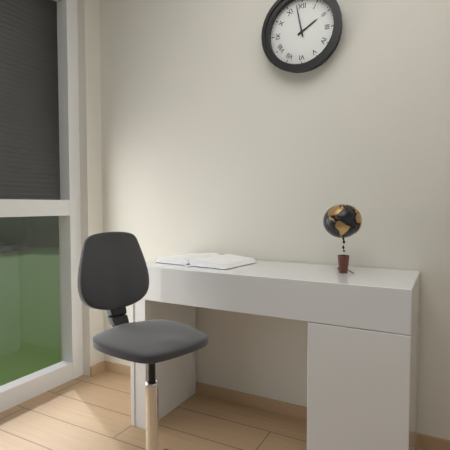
1.58
